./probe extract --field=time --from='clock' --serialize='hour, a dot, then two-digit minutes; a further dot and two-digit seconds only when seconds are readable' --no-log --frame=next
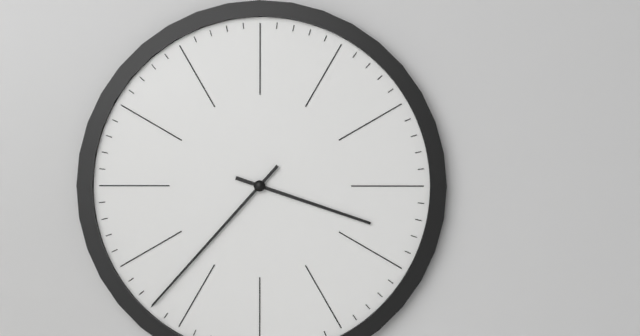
3.37
